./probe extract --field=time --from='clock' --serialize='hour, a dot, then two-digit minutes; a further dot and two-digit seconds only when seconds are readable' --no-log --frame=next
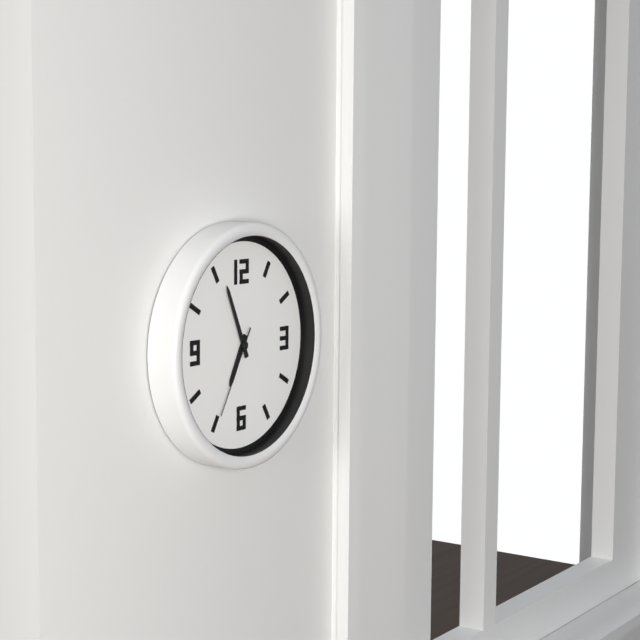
6.56.35
